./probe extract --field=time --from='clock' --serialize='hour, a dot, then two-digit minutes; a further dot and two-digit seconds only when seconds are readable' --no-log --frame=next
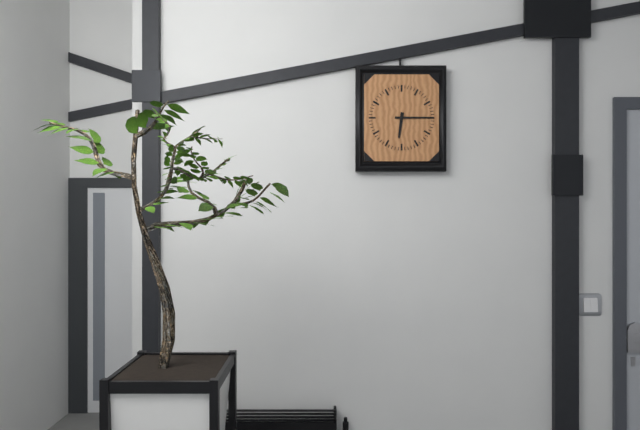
6.15
